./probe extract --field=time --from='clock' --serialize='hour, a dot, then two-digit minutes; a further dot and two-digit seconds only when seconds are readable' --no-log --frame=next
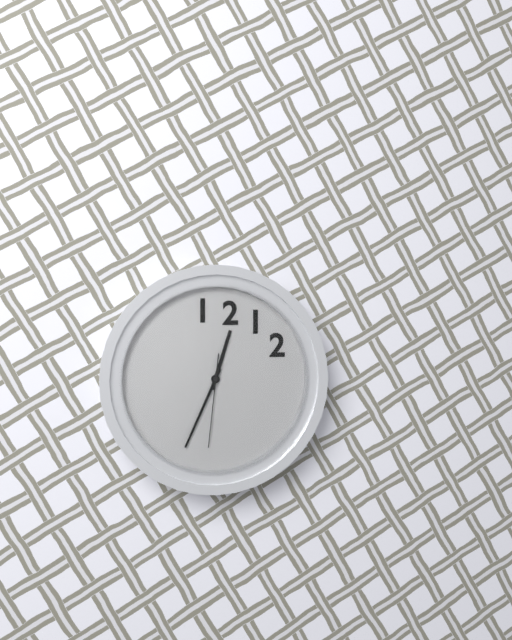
12.34.31
